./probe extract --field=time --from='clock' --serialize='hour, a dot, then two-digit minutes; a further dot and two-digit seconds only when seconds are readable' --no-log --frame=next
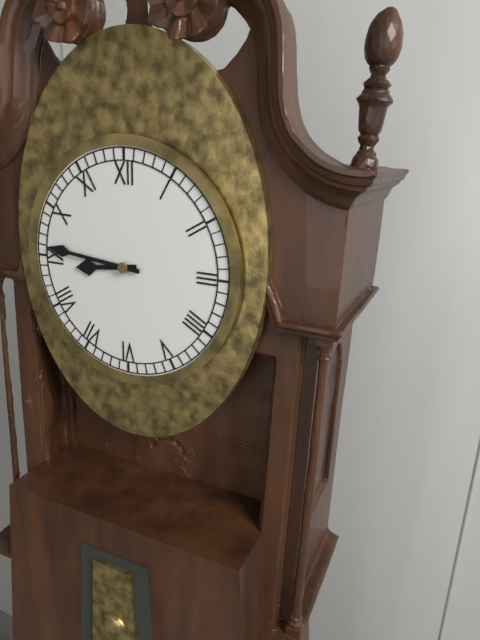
8.46
